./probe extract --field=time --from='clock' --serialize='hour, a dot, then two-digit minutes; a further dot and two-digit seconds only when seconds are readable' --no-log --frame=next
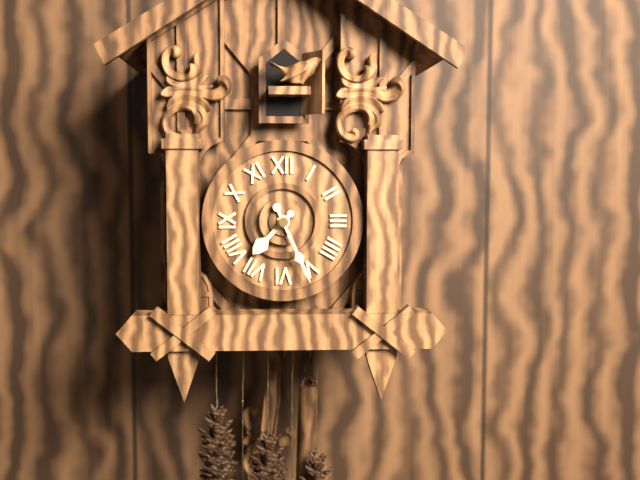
7.26
